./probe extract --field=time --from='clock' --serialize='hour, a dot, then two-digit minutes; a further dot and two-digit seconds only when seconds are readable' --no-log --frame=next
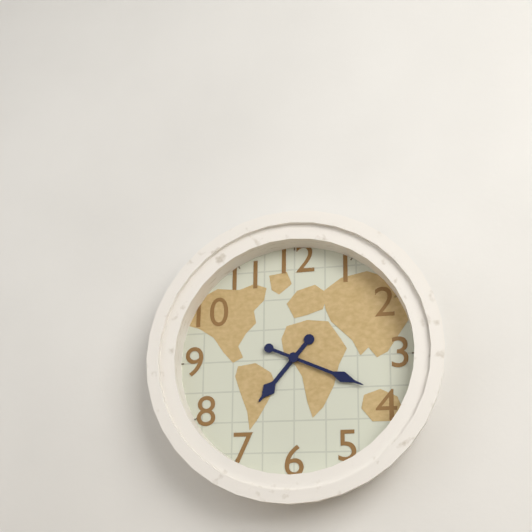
7.19
